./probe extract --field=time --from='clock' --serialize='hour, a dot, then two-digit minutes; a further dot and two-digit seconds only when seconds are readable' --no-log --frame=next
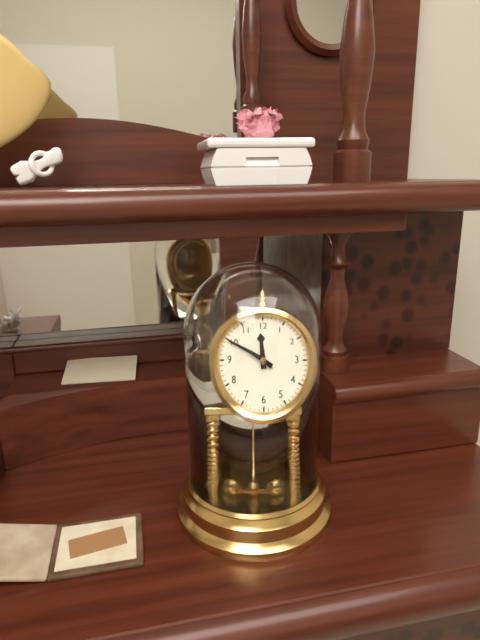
11.50
